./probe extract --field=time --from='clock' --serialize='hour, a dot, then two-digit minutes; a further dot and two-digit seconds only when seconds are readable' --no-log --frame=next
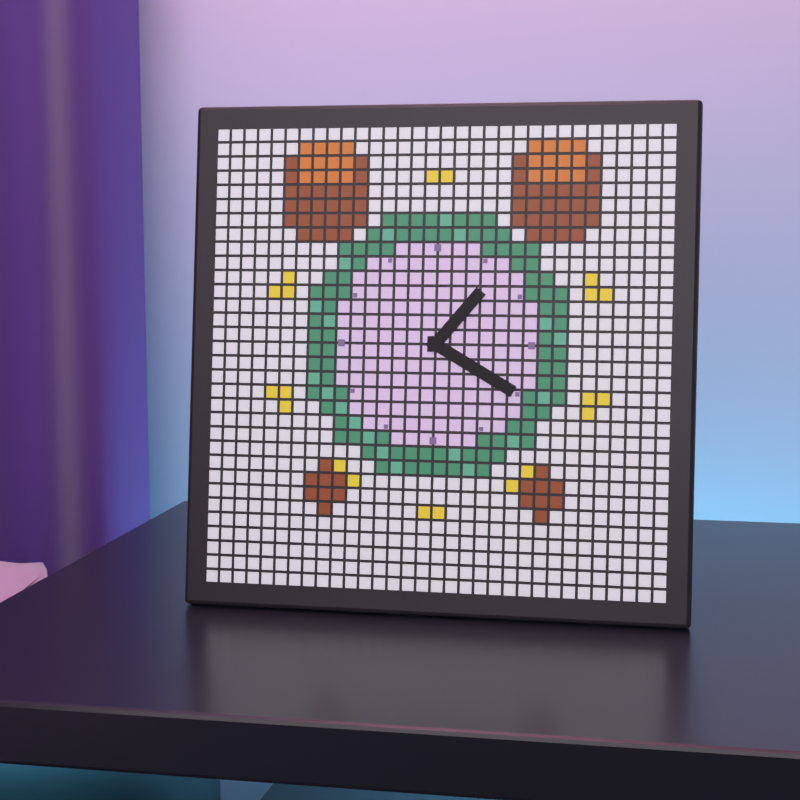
1.20
